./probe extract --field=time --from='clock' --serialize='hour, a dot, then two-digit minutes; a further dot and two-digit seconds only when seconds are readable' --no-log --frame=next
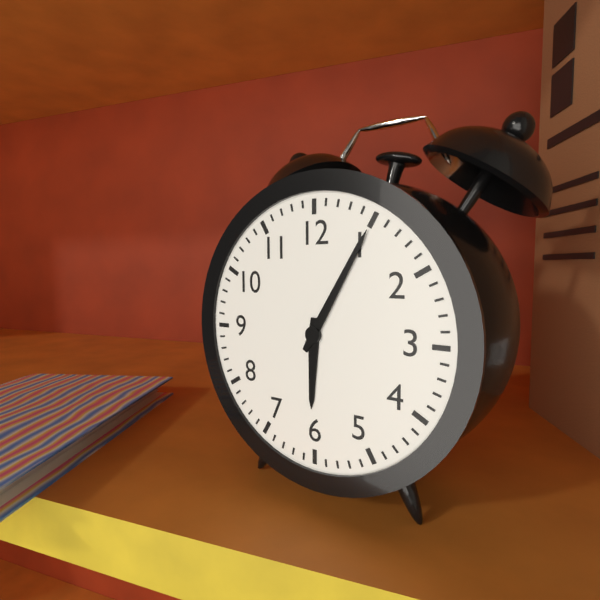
6.05
